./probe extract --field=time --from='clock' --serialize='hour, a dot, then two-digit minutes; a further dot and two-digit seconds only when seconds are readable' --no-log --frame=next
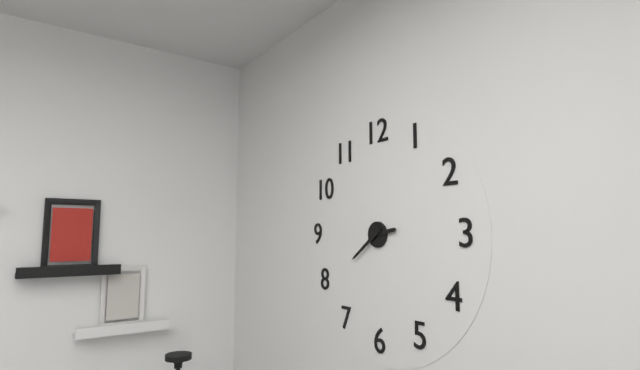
2.39
